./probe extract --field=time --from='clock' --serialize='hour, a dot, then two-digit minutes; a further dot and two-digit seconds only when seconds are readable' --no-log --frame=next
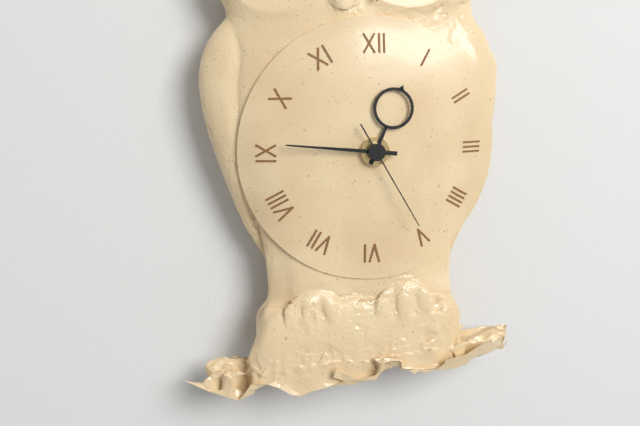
12.46.25
